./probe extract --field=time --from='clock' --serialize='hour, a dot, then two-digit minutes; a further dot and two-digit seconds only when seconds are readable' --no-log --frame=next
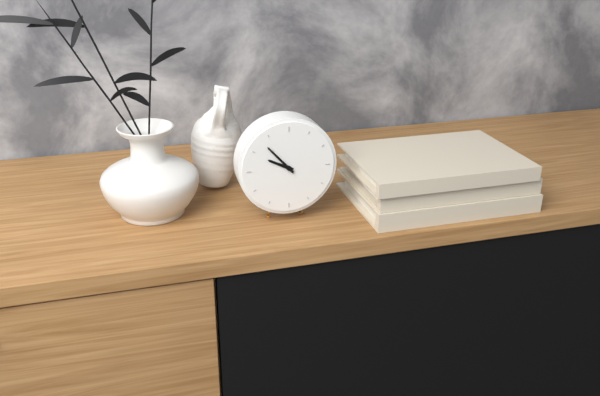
9.53
